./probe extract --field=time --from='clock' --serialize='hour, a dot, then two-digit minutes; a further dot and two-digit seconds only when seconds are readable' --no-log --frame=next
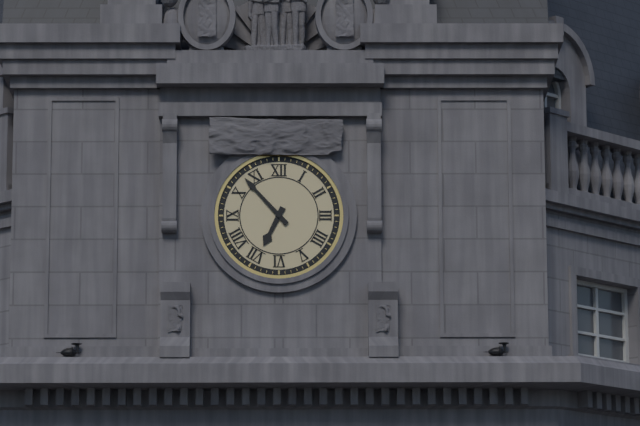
6.53
